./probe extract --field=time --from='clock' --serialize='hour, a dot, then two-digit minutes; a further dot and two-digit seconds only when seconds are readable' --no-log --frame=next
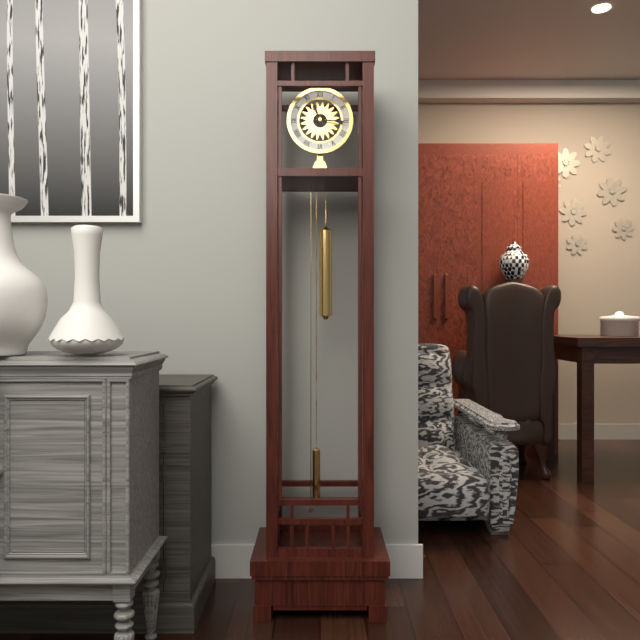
11.16
